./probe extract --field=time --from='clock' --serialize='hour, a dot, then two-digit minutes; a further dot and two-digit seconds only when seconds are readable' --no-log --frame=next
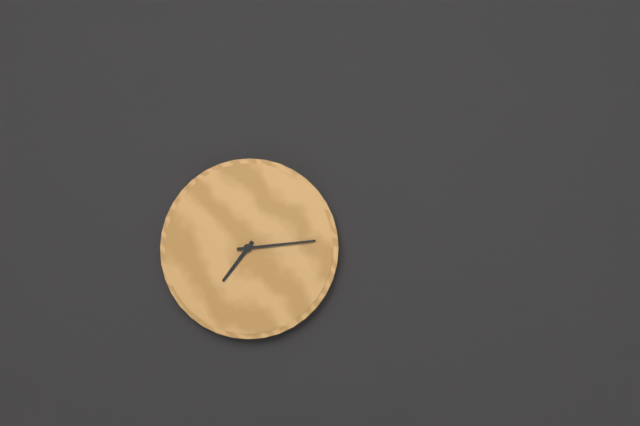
7.14
